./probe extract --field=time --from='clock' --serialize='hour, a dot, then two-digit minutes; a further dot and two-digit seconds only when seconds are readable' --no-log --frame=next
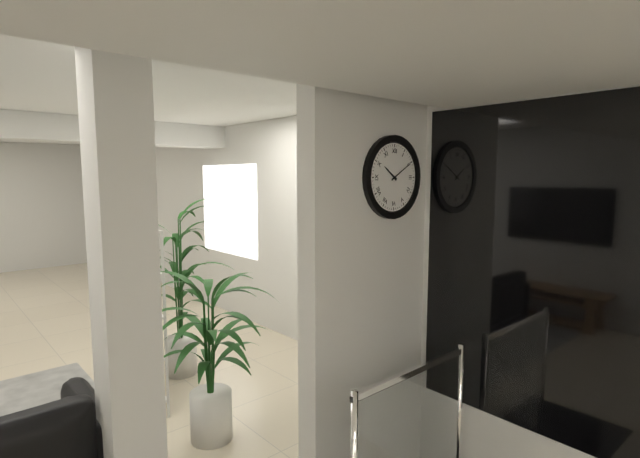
10.10
